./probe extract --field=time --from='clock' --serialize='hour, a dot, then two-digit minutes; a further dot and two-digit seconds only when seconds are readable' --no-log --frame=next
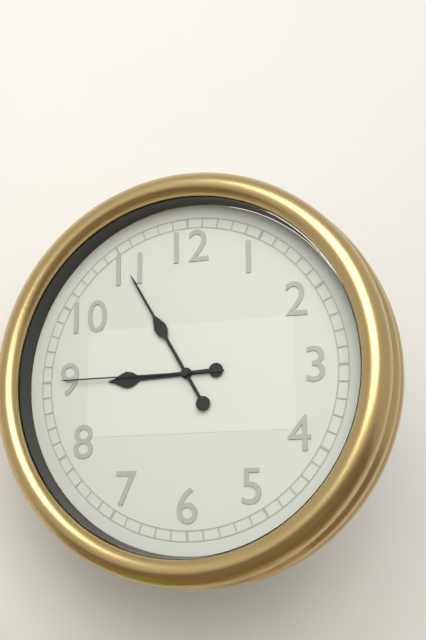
8.55.45
